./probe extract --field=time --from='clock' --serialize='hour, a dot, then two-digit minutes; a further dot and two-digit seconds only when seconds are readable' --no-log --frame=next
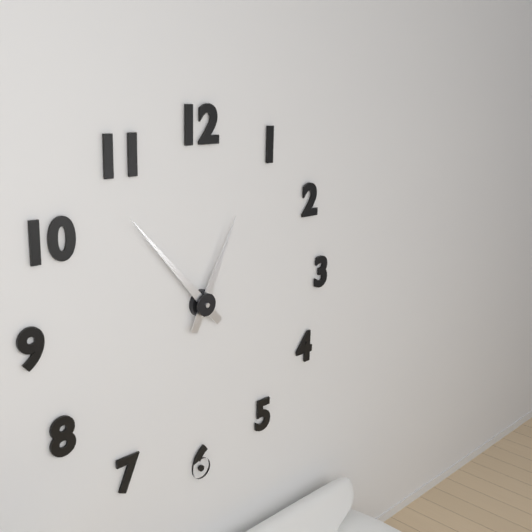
12.53
